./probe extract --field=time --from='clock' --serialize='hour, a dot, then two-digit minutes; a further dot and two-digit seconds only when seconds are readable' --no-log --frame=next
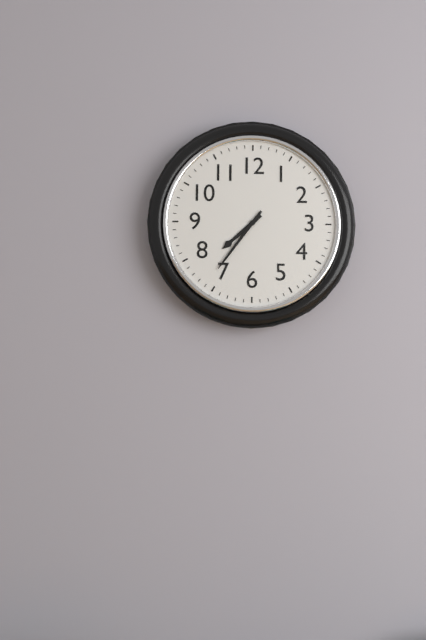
7.36
